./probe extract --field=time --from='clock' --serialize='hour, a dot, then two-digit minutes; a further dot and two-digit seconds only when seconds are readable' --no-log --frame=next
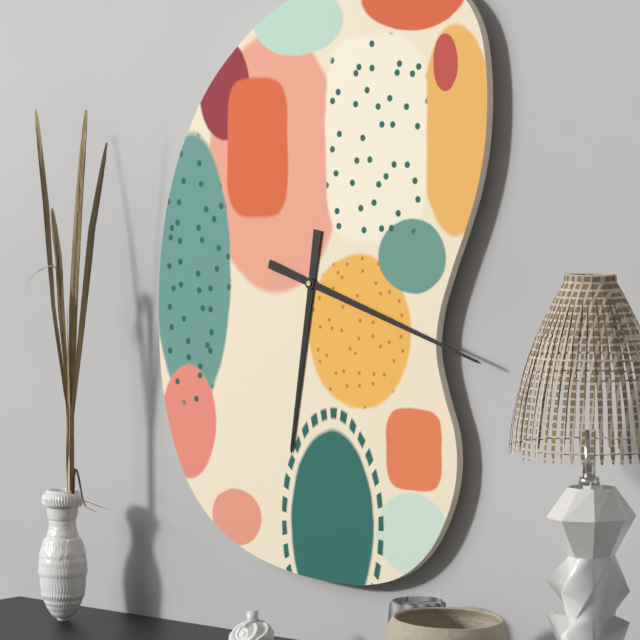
6.18
